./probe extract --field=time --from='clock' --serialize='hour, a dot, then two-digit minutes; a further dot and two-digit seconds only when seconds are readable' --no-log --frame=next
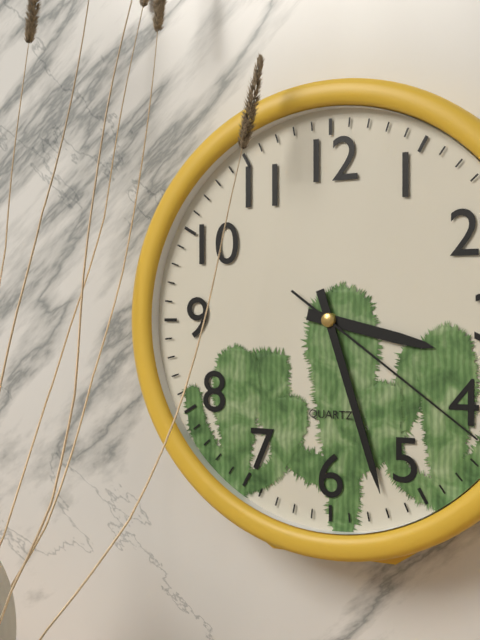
3.27.21
